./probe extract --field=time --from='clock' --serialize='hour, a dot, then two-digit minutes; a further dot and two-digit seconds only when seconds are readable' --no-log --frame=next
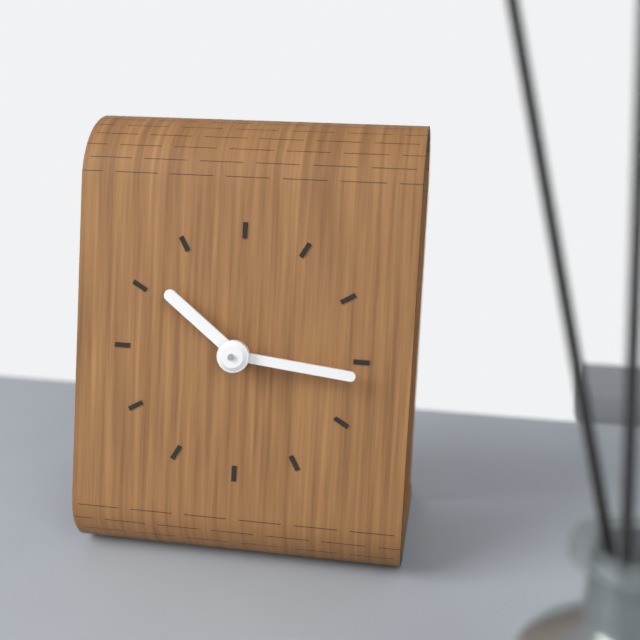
10.16
